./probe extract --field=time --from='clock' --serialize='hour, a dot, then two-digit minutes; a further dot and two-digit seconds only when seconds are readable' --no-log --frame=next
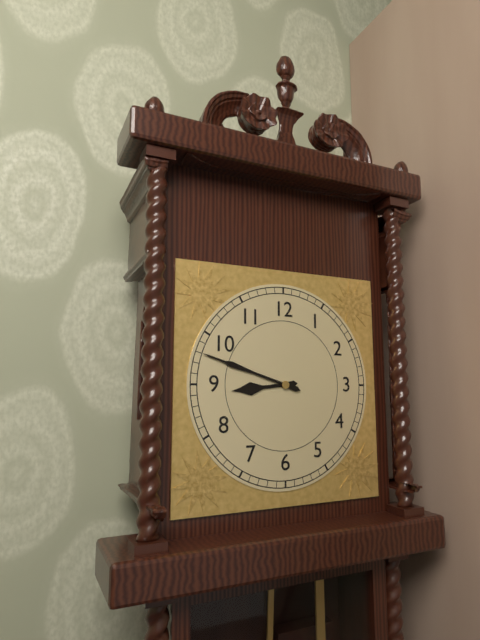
8.48
